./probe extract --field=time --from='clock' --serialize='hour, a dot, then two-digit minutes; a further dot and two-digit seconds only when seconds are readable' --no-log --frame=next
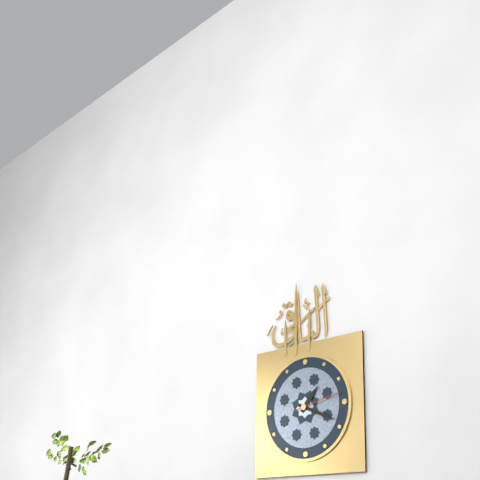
1.19
